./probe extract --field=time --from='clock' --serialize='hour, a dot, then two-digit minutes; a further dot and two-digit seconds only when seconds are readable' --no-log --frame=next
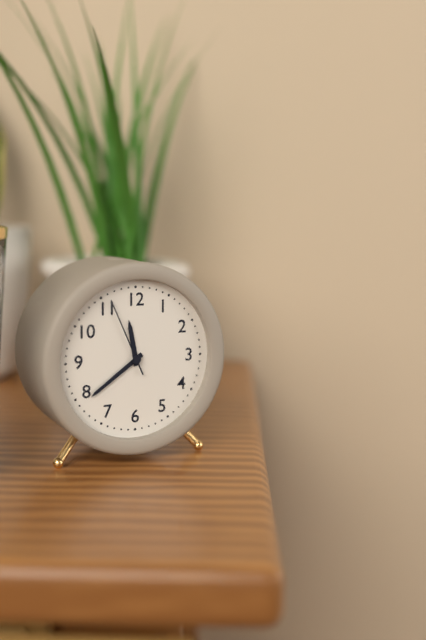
11.39.56
